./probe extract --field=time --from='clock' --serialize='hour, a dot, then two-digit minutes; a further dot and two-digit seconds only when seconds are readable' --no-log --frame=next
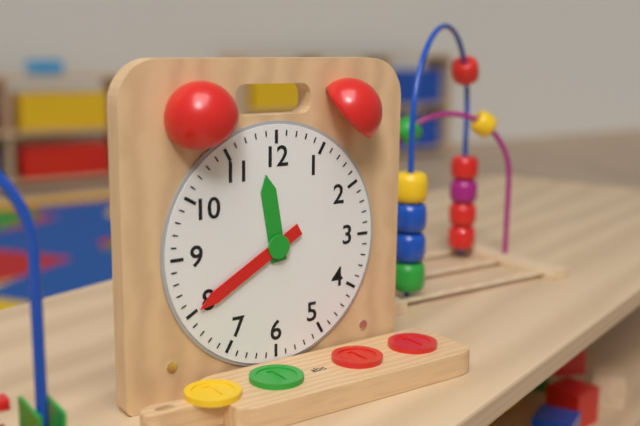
11.40
